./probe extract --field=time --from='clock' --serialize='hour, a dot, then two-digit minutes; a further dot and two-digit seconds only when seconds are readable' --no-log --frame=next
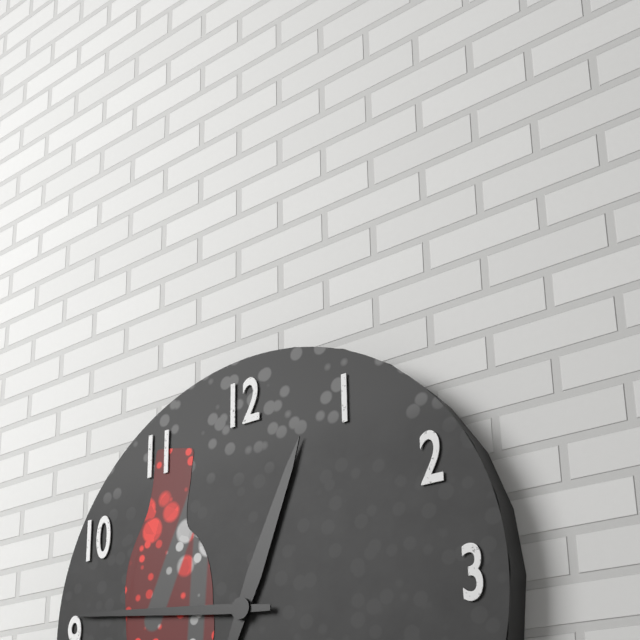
12.46
